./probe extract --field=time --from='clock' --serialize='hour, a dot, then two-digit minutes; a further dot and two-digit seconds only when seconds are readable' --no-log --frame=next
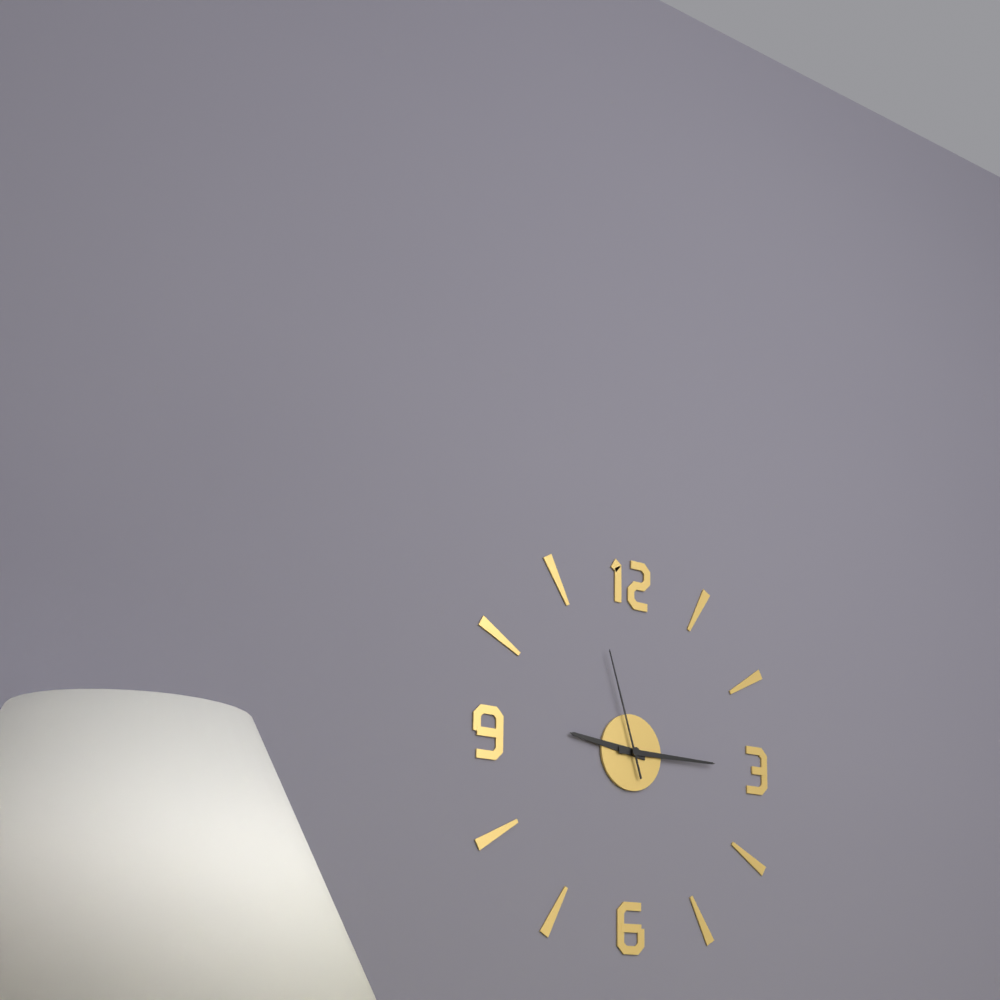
9.15.57
